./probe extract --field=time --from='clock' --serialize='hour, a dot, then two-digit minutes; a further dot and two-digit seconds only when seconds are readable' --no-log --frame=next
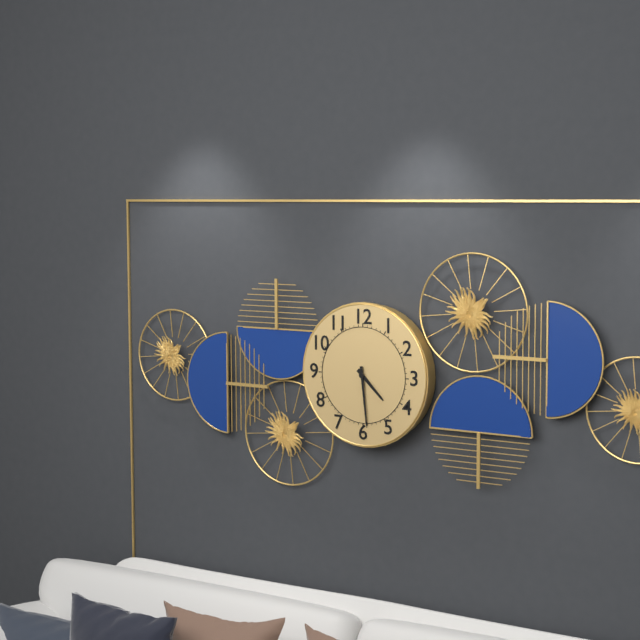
4.29
